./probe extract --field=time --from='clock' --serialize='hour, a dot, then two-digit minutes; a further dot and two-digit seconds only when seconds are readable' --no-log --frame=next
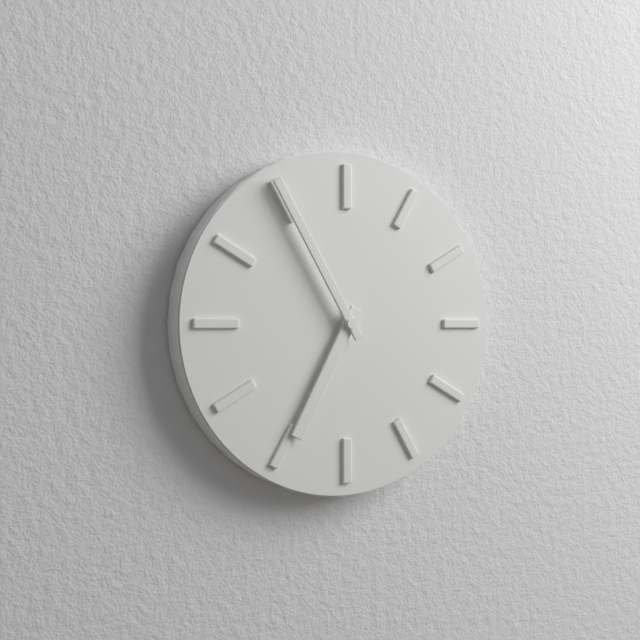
6.55
